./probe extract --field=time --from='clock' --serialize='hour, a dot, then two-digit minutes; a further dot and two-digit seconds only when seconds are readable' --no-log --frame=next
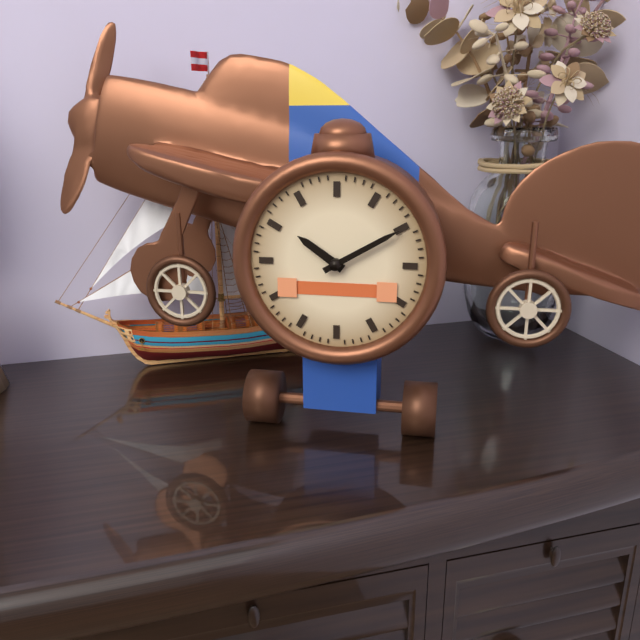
10.10
